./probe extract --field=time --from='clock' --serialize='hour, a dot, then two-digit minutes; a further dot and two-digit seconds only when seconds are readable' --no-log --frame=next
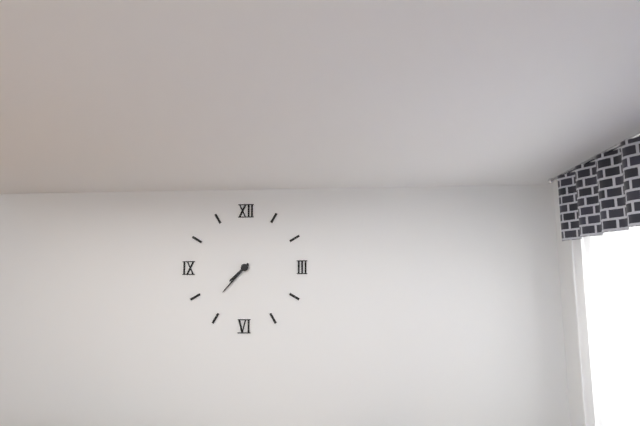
7.37
